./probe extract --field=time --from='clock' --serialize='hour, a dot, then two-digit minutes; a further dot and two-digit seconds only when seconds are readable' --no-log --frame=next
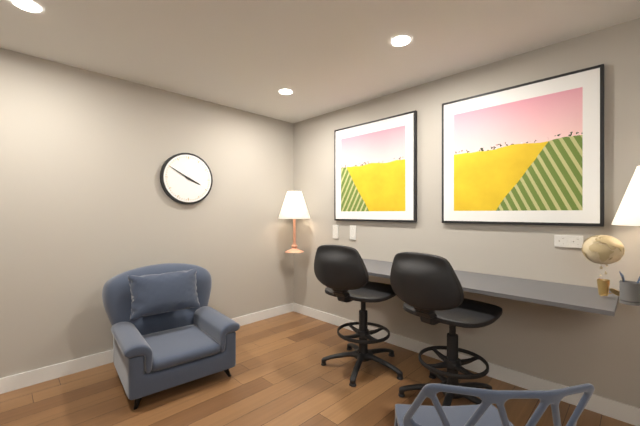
3.50
